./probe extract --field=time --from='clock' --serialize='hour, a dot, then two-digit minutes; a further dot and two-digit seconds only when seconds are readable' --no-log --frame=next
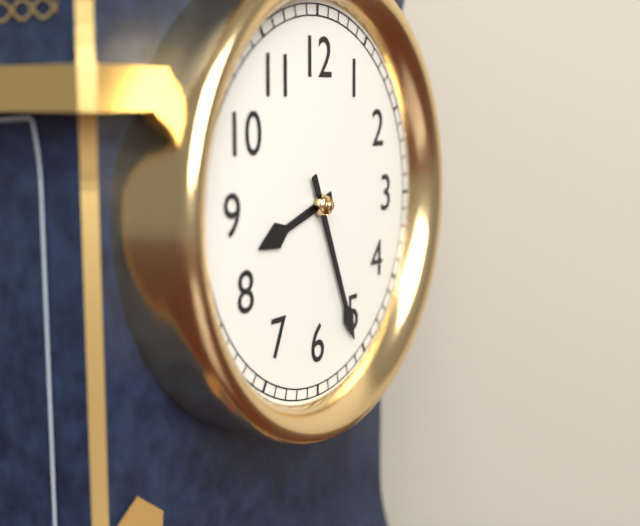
8.26
